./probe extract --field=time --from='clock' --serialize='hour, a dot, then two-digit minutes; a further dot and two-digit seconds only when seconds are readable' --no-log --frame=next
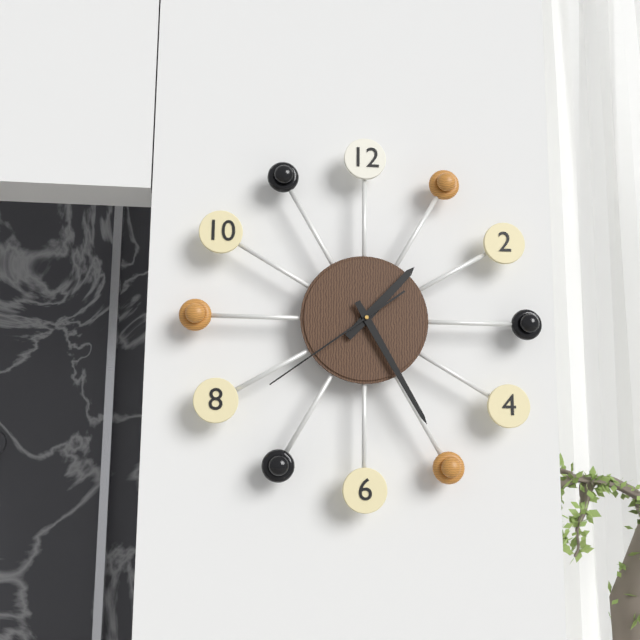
1.25.39
